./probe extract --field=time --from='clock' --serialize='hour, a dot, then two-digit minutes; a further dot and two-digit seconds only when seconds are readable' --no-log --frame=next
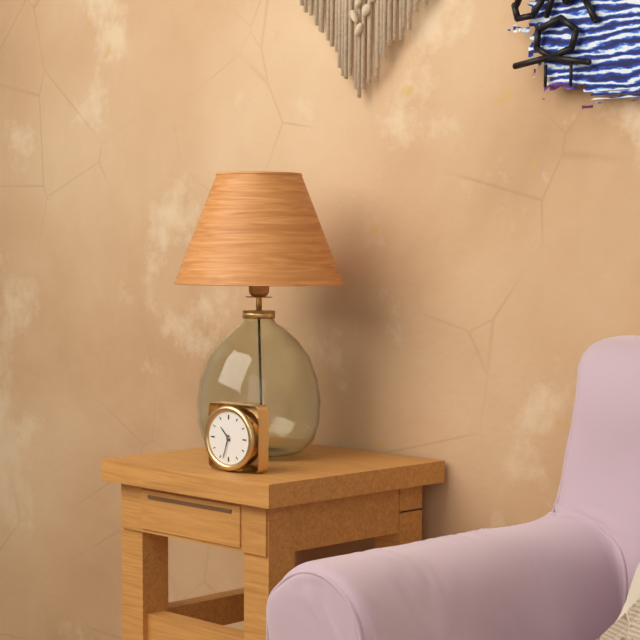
10.33
